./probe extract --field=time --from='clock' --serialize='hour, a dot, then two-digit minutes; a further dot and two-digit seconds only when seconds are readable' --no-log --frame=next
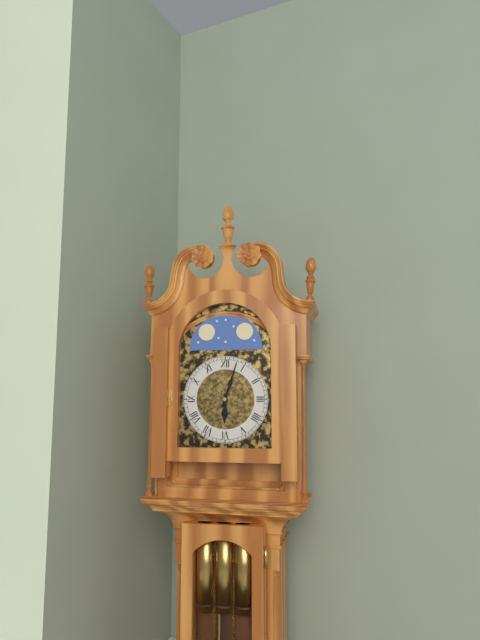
6.03
